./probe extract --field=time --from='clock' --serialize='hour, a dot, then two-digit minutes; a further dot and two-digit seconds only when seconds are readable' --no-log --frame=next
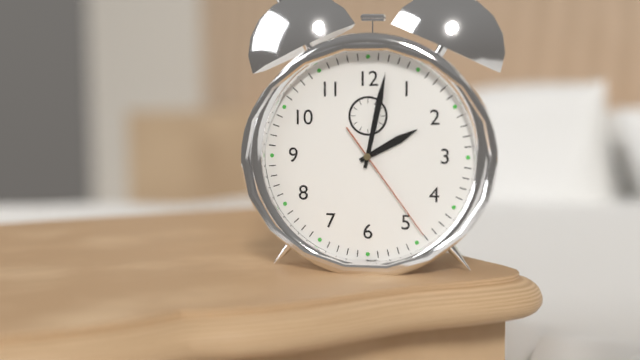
2.02.24
